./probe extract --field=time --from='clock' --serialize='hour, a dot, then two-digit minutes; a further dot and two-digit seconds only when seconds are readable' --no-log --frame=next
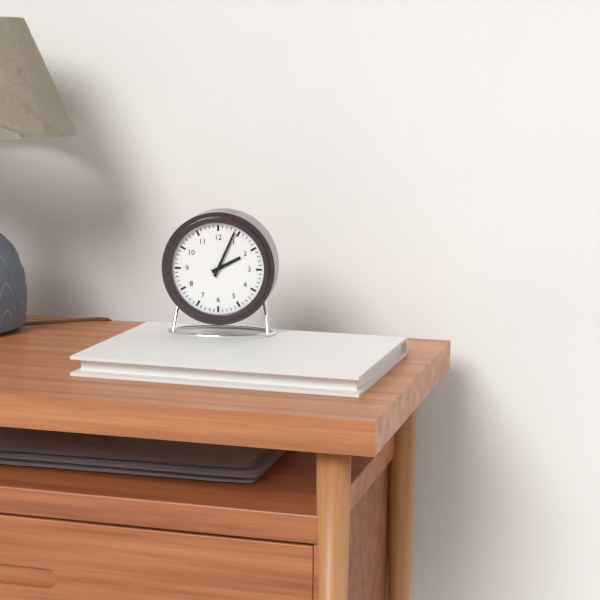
2.04
